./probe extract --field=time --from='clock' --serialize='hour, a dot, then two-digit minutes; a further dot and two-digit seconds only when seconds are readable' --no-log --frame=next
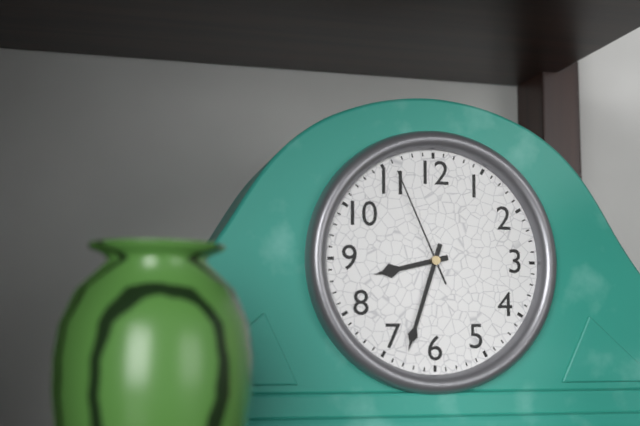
8.33.56
